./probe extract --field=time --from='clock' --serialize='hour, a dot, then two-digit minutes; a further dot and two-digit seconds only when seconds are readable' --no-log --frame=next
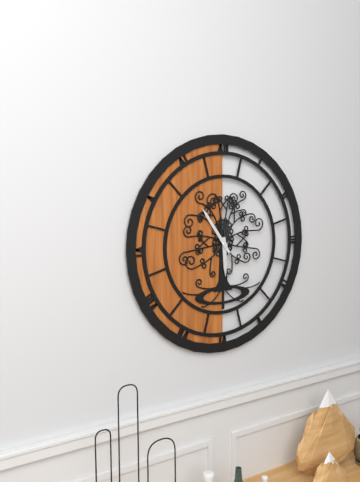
5.54
